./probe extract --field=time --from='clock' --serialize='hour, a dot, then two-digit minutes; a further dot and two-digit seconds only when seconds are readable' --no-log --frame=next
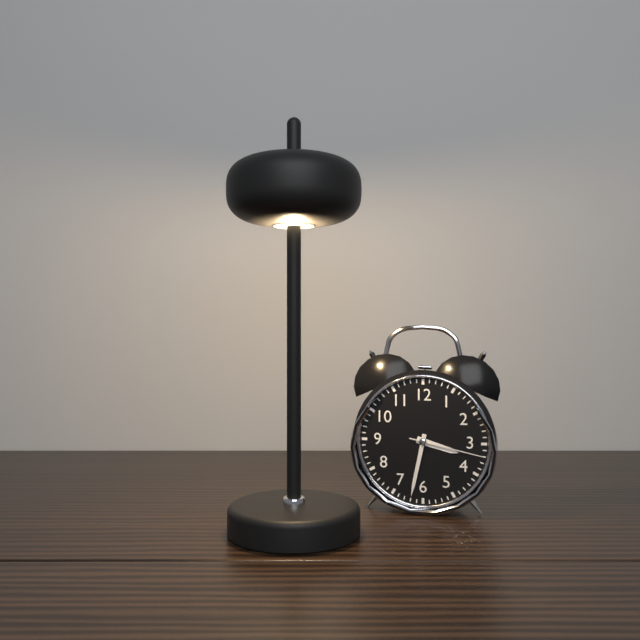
3.32.17
